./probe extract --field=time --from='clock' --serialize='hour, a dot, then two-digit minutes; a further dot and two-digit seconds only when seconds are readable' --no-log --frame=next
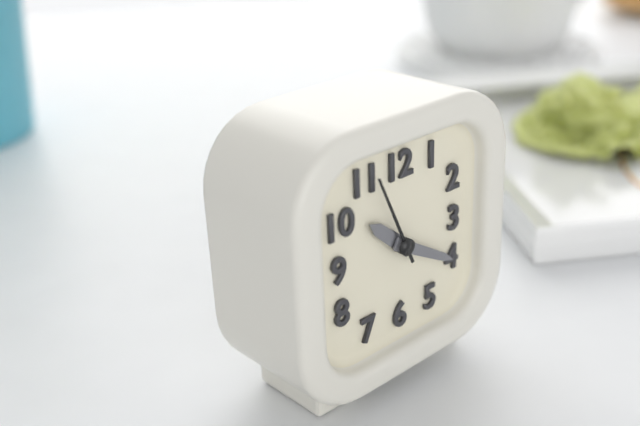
10.20.56
